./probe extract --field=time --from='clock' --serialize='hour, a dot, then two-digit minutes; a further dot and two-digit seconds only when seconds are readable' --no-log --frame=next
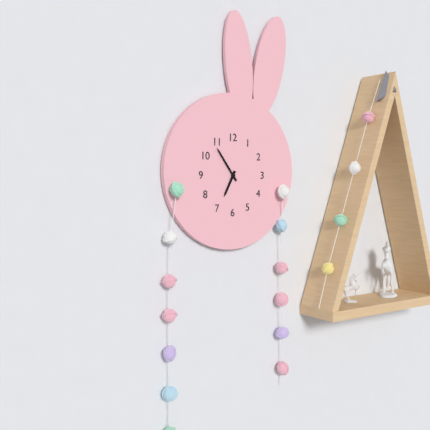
6.54
